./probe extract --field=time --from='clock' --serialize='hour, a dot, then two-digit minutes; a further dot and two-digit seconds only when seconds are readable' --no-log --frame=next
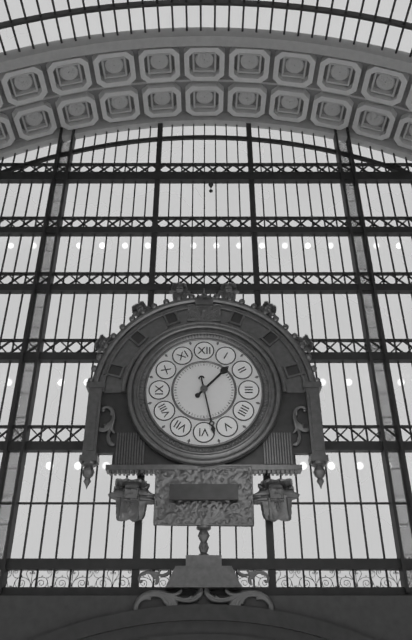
1.28
